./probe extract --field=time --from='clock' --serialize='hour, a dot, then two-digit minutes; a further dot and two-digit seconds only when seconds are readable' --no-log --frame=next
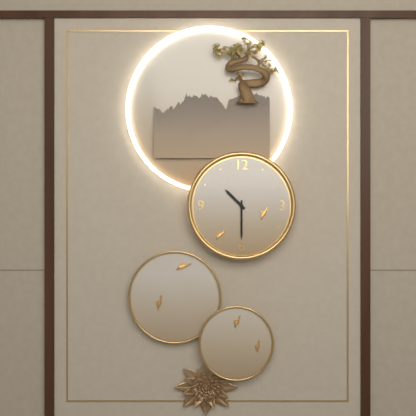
10.30
